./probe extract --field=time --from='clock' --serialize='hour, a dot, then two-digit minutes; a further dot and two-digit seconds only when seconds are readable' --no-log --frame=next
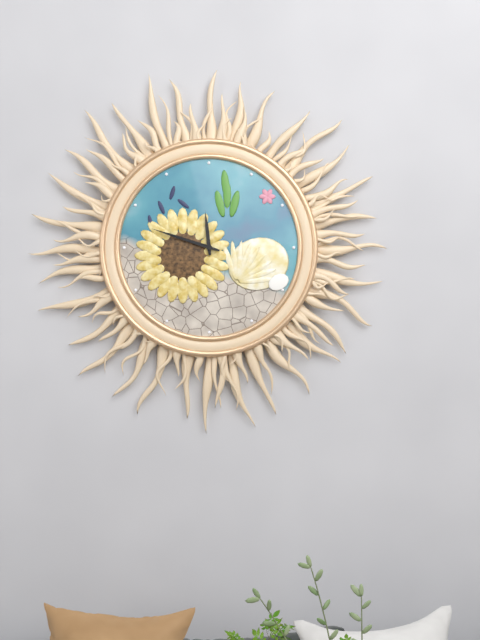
11.48
